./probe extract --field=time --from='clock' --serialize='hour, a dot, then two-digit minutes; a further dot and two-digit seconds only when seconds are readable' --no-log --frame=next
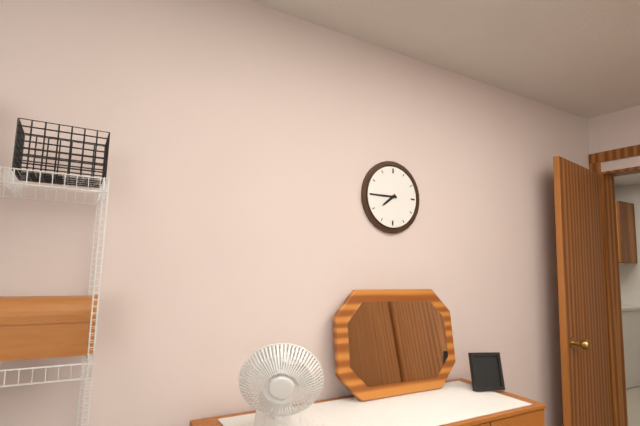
7.45
